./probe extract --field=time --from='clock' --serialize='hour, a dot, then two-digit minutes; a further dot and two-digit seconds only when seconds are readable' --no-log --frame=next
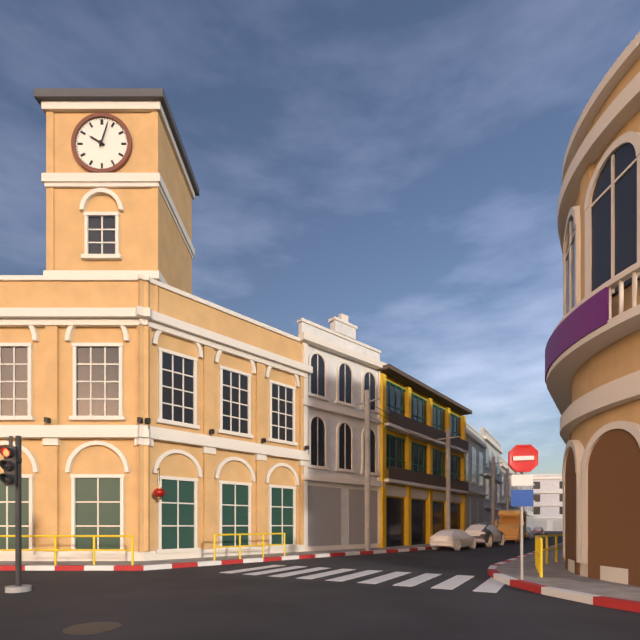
10.03
